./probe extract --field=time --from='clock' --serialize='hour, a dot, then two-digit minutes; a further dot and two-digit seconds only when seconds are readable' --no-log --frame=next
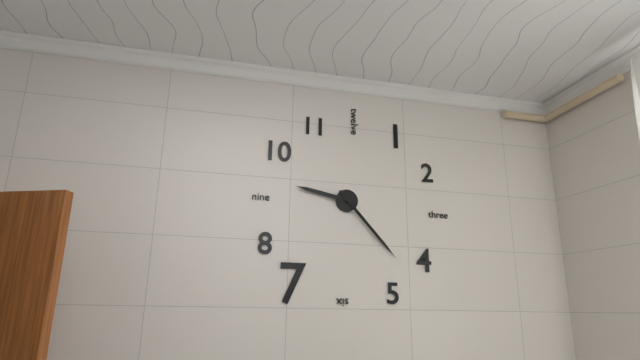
9.23
